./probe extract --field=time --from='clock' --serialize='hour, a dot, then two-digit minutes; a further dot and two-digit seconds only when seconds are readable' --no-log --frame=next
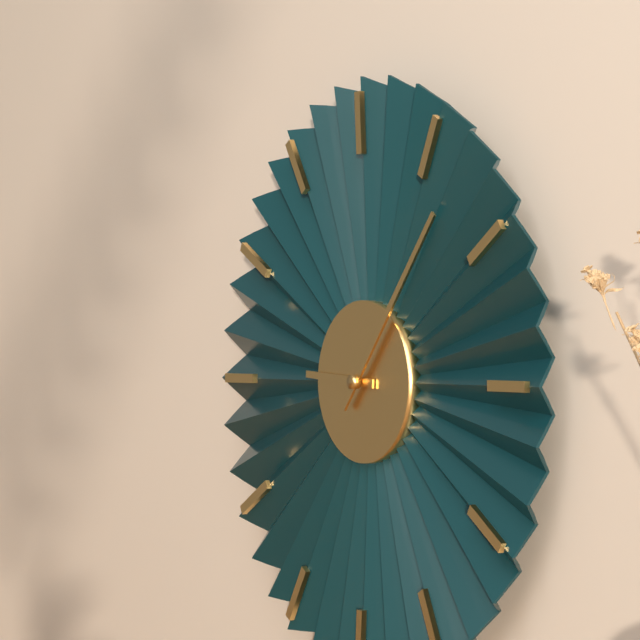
9.07
